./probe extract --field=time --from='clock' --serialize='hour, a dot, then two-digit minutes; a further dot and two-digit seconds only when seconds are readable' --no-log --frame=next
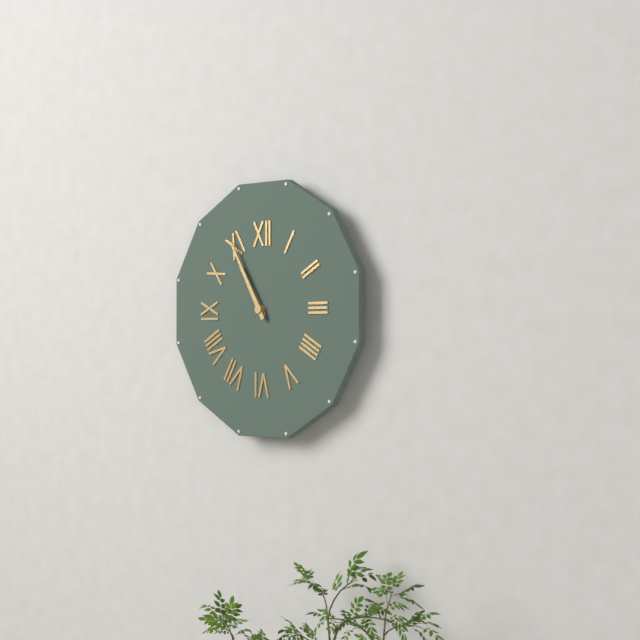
10.55
